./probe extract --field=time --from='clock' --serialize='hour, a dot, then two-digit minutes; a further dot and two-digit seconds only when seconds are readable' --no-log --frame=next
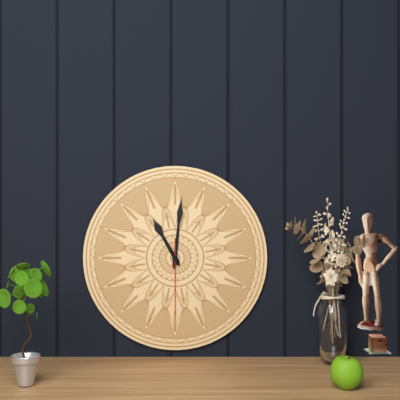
11.01.30
